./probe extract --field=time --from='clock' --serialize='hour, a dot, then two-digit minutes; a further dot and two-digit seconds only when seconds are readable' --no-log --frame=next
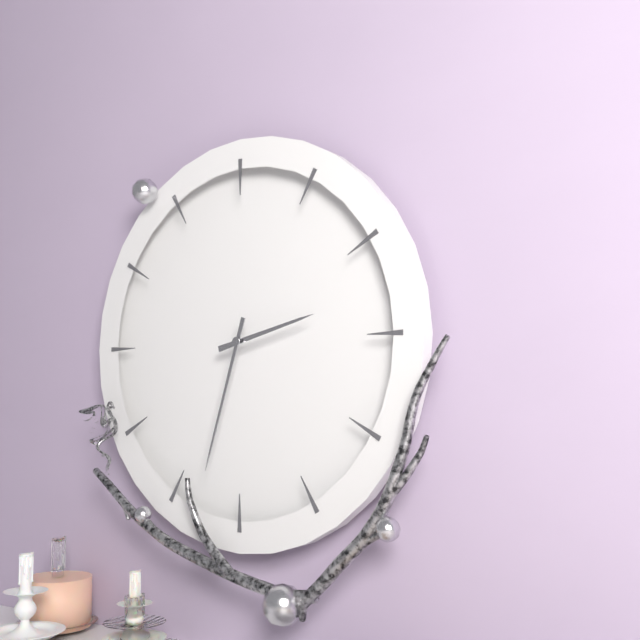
2.33
